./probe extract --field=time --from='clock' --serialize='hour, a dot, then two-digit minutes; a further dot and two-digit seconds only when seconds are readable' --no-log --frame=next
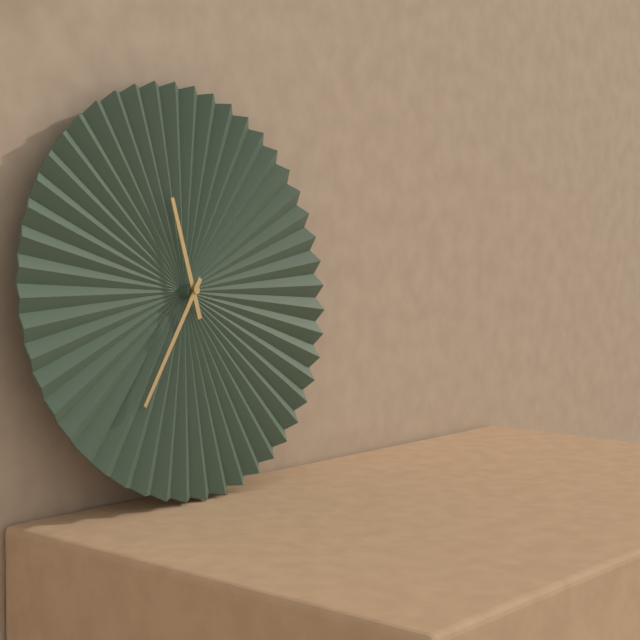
11.36
